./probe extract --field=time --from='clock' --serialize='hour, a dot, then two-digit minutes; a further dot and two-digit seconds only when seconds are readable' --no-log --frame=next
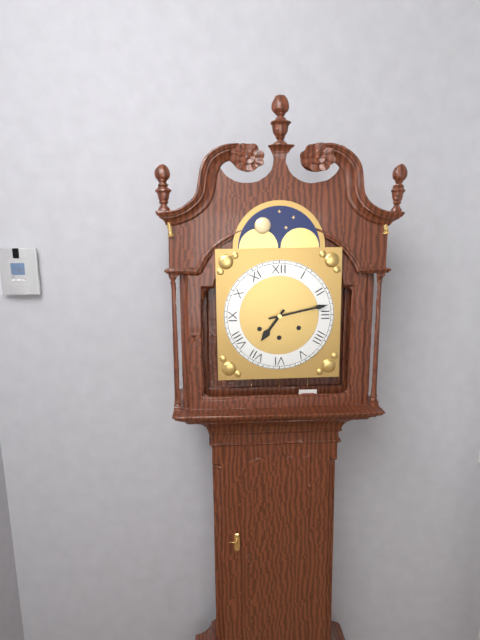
7.13
